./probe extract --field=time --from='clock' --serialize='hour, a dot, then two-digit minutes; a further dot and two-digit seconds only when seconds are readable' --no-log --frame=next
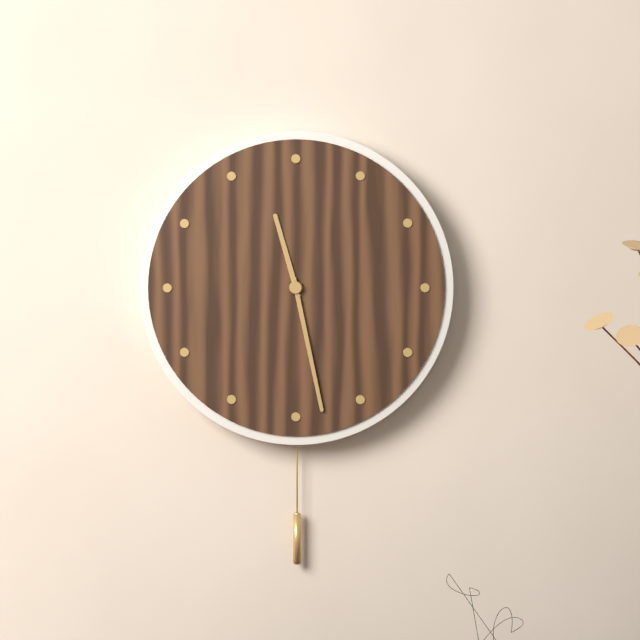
11.28
